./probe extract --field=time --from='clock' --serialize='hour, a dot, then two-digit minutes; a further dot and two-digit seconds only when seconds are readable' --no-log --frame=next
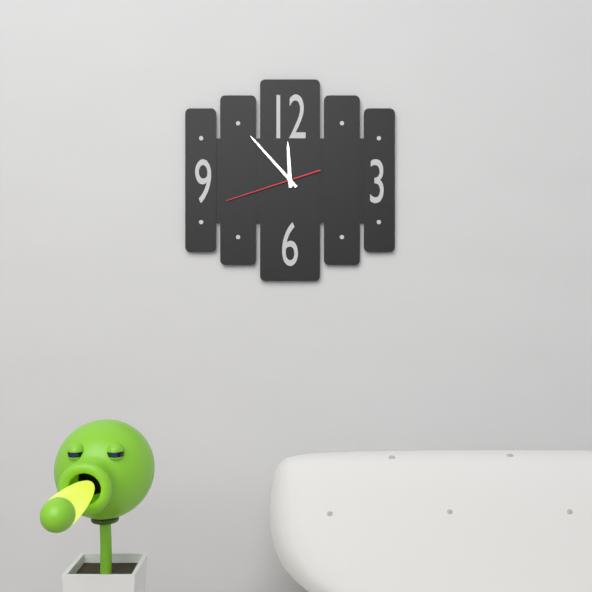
11.53.42
